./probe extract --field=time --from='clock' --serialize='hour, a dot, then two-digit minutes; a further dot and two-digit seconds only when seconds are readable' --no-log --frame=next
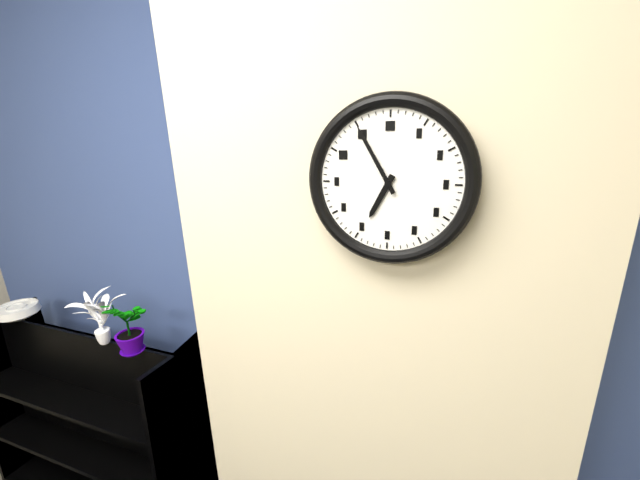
6.55
